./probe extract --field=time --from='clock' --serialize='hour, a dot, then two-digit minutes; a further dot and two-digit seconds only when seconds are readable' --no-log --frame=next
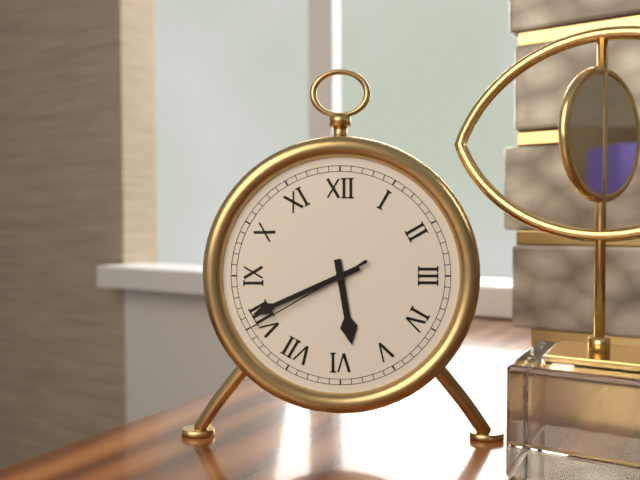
5.41.40
